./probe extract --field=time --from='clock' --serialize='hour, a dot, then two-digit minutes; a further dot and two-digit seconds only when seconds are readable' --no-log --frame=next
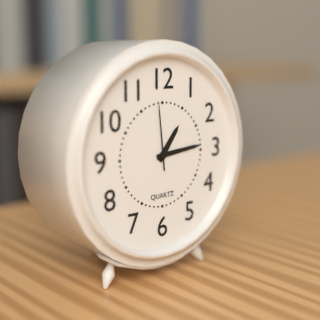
1.14.59
